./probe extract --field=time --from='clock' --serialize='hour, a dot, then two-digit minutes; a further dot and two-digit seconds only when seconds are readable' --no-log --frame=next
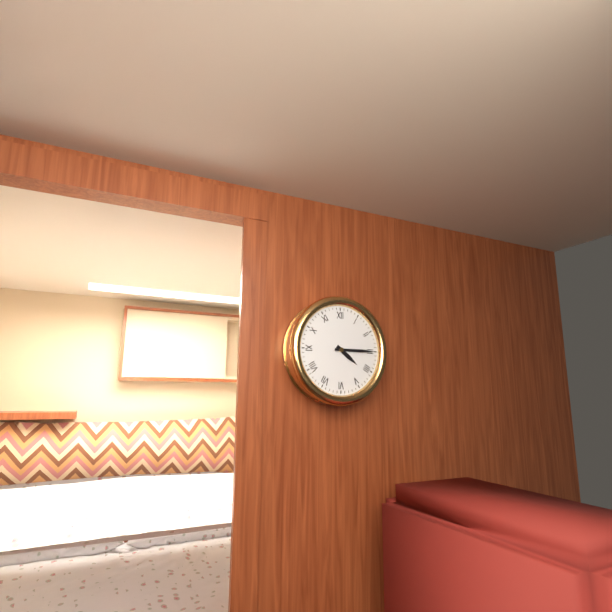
4.15
